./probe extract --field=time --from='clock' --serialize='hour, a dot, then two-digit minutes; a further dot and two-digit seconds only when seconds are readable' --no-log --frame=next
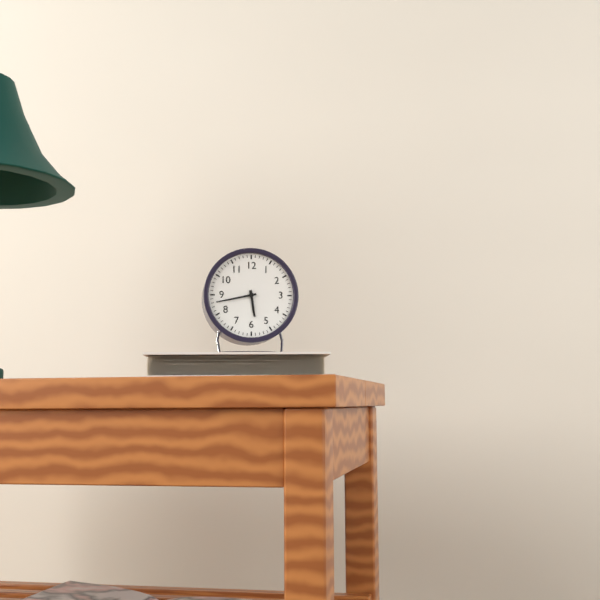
5.43
